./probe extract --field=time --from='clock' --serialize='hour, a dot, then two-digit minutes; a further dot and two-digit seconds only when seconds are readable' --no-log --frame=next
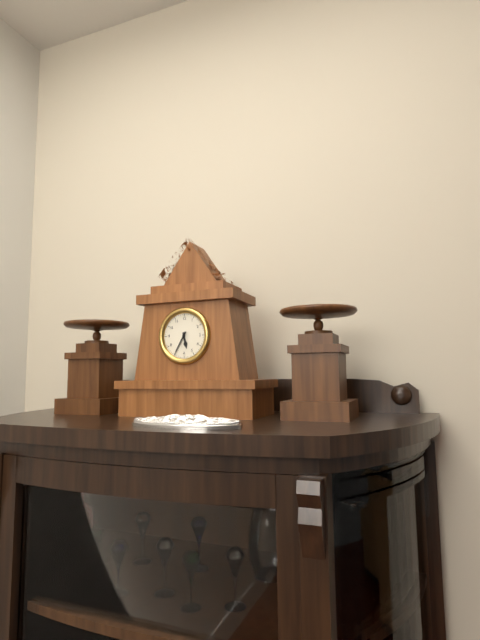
5.35
